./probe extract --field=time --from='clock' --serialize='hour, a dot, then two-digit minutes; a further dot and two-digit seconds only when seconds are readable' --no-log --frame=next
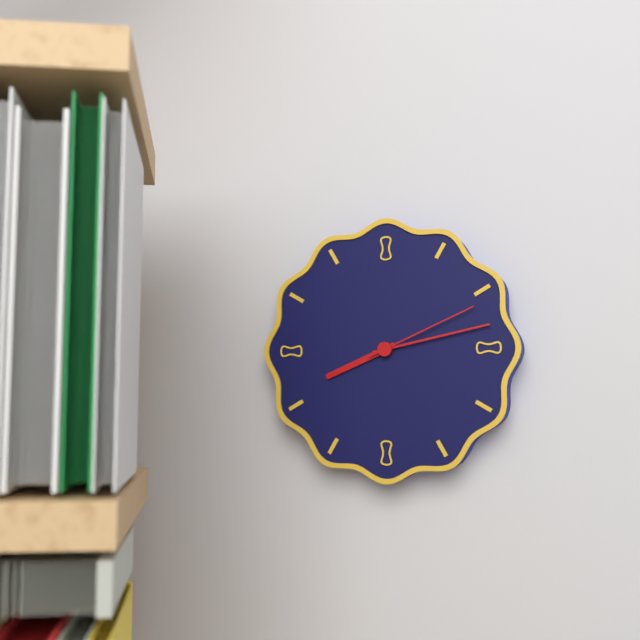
8.13.11
